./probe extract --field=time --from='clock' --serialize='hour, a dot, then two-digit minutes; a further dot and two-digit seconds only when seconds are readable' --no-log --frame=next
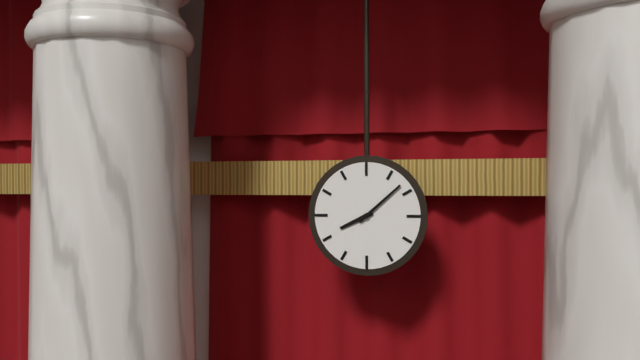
8.08
